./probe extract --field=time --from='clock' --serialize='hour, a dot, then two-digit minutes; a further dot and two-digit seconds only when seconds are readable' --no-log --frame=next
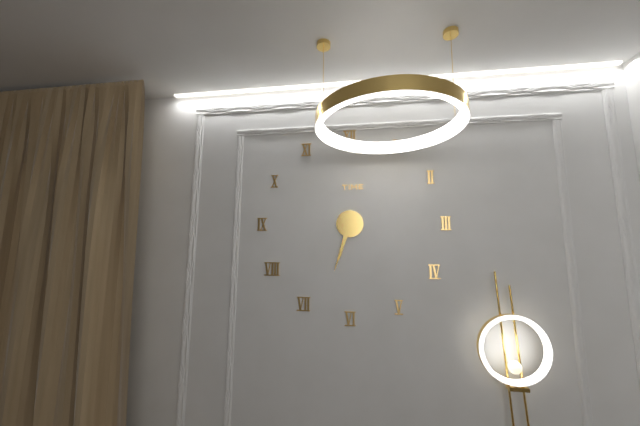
6.33
